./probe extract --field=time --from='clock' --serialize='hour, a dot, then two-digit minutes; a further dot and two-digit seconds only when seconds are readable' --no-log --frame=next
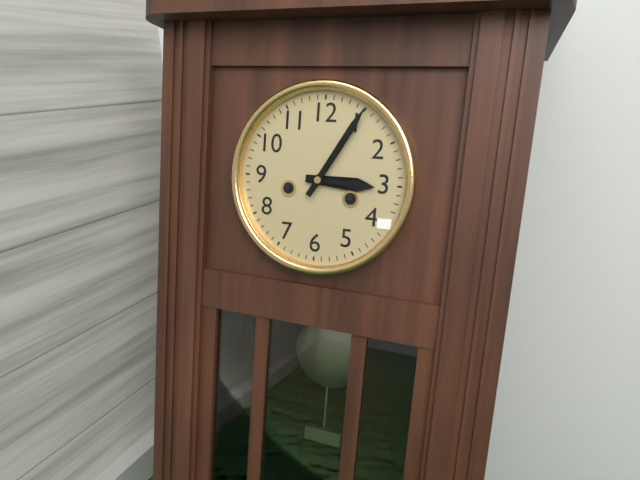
3.05
